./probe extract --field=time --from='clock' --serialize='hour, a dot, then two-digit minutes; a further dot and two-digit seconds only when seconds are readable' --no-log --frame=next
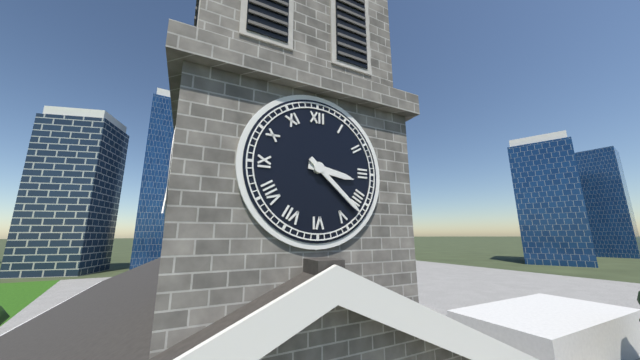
3.22
